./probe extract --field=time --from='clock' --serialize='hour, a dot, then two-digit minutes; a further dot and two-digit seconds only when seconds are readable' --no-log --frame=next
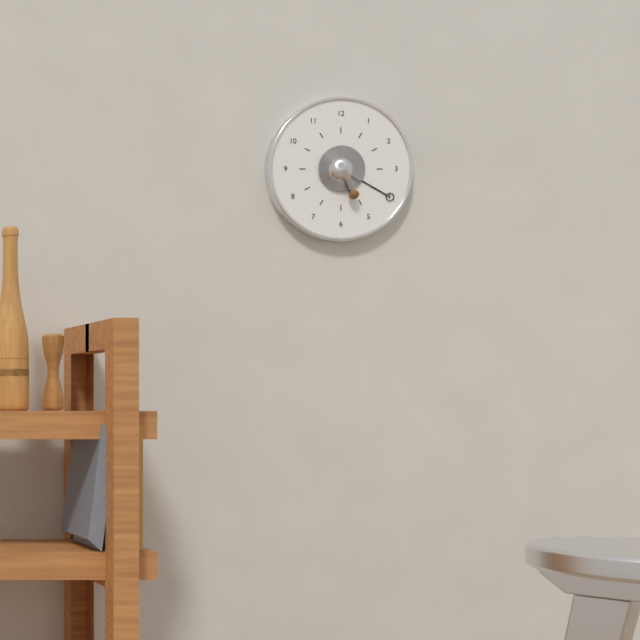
5.20
